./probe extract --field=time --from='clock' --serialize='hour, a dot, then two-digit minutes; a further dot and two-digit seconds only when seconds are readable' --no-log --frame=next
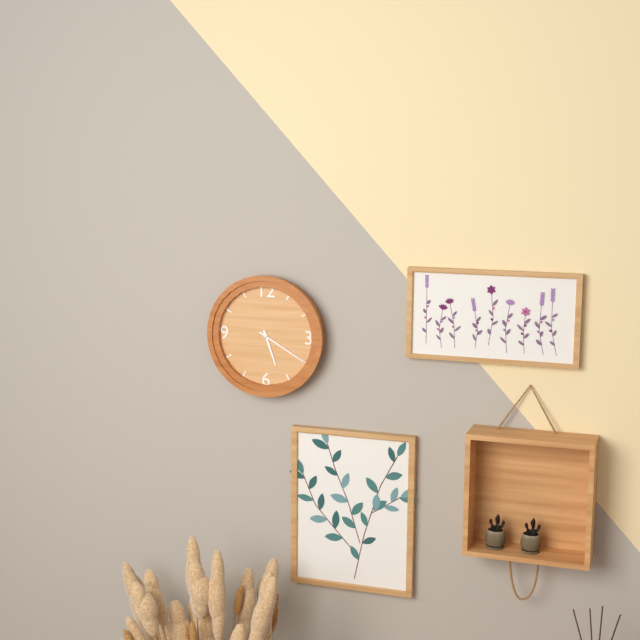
5.20
